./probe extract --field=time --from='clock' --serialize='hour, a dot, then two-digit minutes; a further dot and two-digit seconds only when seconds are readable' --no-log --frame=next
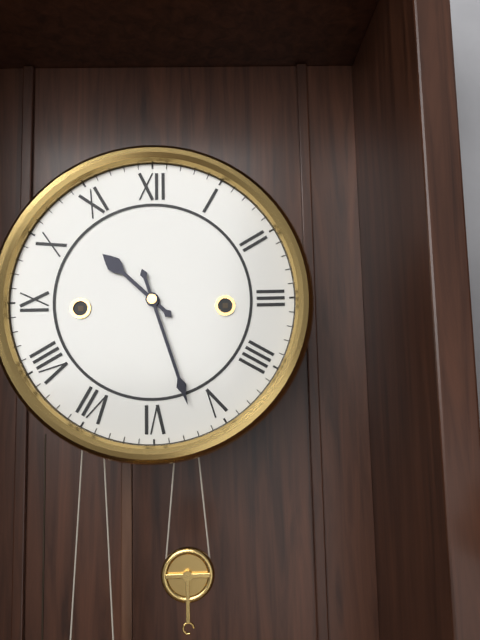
10.27
